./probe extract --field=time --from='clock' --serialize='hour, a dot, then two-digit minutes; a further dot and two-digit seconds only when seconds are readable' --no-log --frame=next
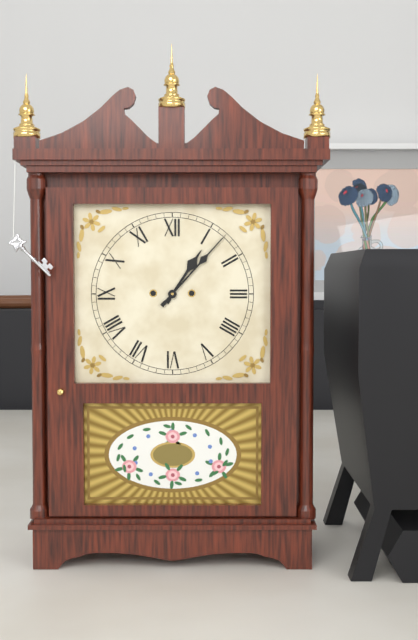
1.07
